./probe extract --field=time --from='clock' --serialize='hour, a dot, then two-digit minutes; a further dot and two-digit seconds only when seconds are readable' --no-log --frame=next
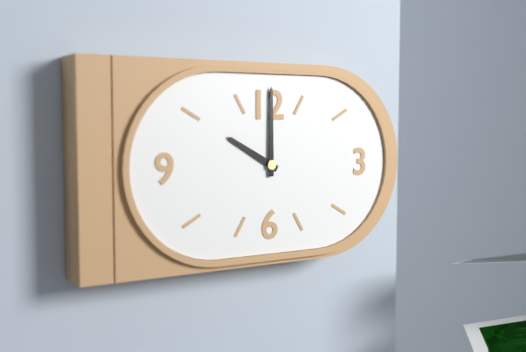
10.00
